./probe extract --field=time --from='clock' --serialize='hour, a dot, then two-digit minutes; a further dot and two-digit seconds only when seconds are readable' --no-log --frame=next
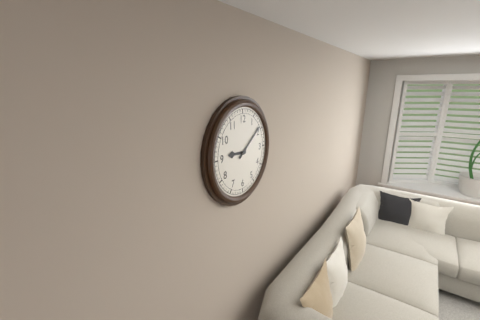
9.09
